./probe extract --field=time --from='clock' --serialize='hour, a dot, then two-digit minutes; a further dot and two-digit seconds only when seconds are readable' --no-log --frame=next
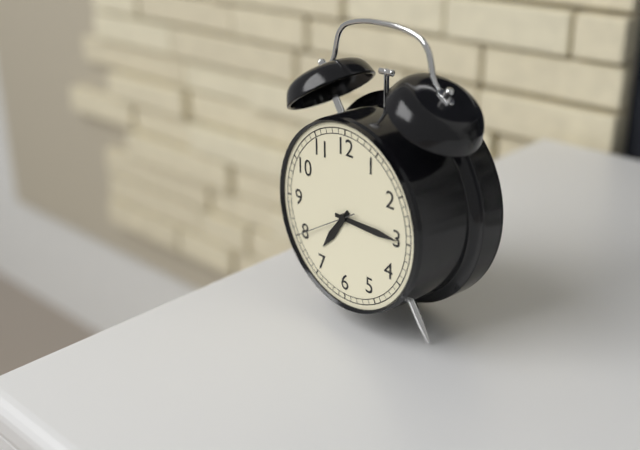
7.15.40
